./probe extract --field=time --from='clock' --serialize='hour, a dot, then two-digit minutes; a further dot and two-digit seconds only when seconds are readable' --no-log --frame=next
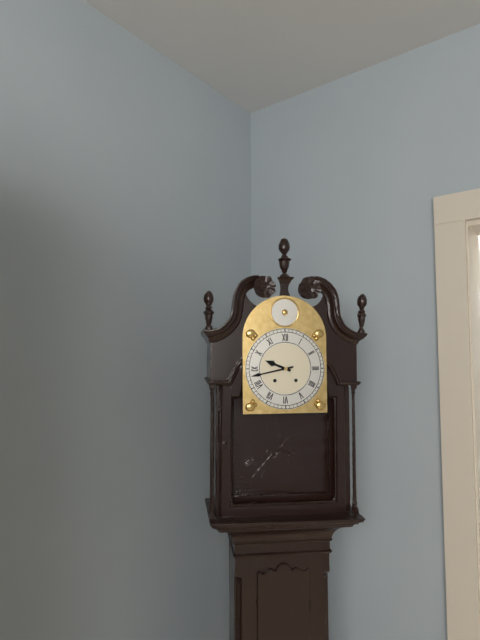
9.43
